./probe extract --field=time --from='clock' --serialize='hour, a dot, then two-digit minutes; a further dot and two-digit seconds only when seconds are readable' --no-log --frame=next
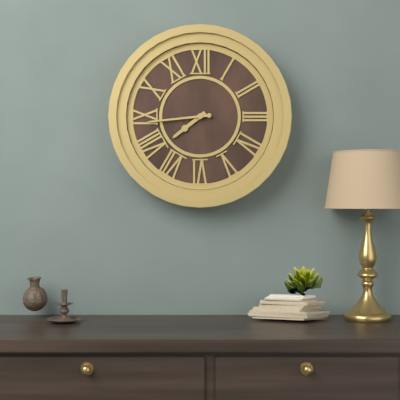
7.44
